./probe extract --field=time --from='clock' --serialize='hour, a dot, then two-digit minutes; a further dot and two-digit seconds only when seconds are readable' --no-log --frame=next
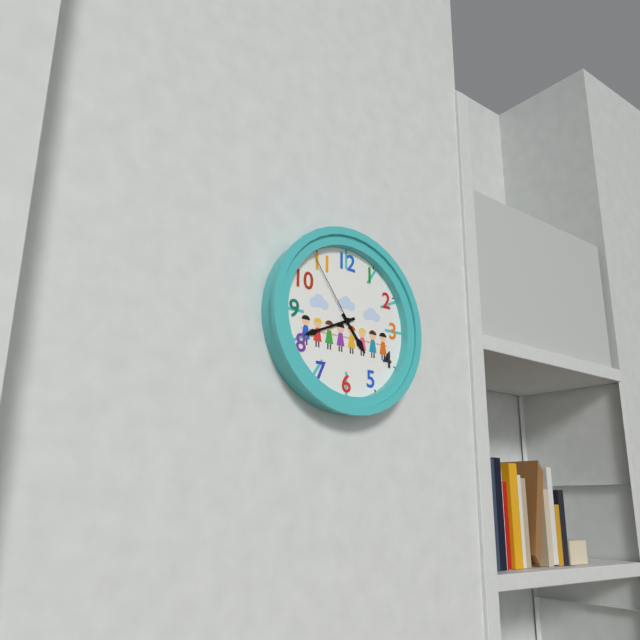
4.41.54
